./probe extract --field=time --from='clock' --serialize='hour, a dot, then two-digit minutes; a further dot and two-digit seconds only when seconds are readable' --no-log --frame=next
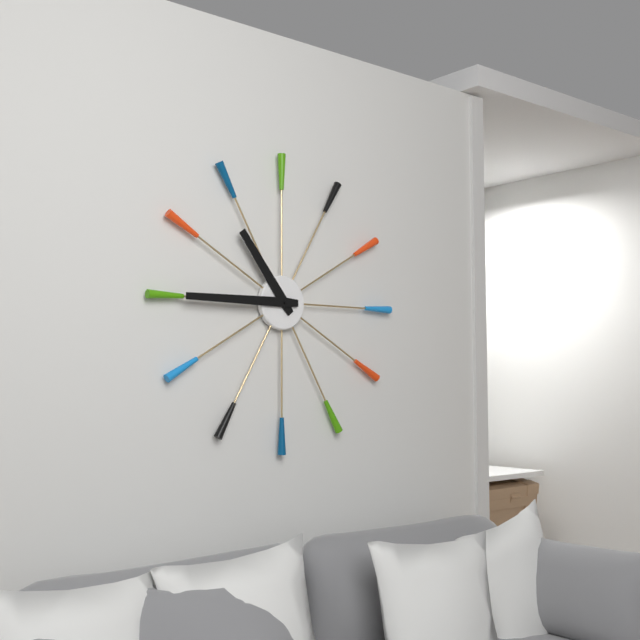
10.45
